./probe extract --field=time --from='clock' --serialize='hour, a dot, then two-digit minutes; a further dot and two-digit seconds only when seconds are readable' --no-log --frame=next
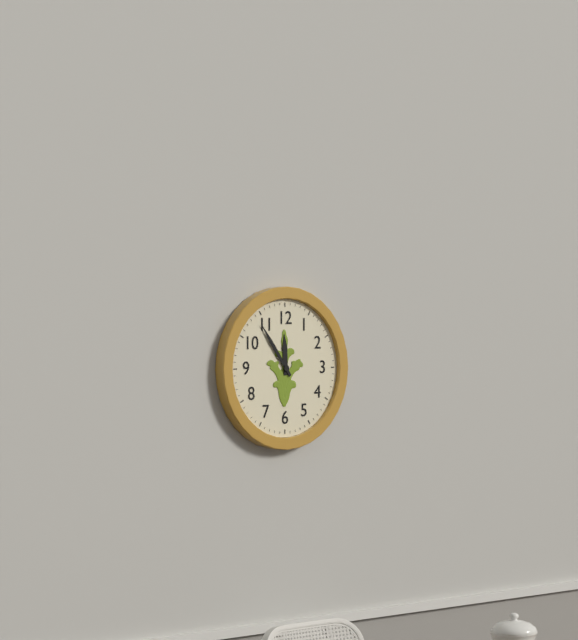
11.54
